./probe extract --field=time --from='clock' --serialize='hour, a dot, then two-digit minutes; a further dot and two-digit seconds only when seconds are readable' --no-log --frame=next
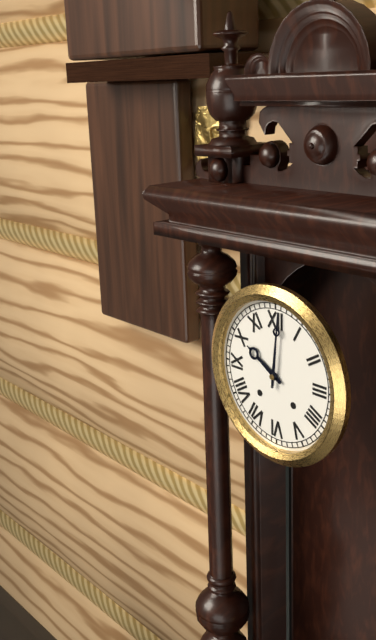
10.01
